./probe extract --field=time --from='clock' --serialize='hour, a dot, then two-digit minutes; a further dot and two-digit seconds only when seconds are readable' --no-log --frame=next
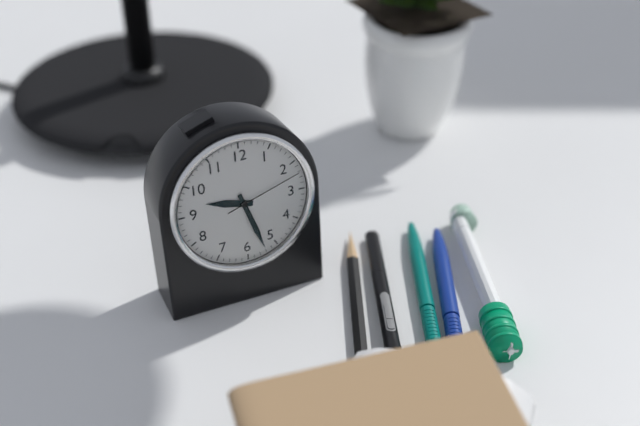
9.27.12
